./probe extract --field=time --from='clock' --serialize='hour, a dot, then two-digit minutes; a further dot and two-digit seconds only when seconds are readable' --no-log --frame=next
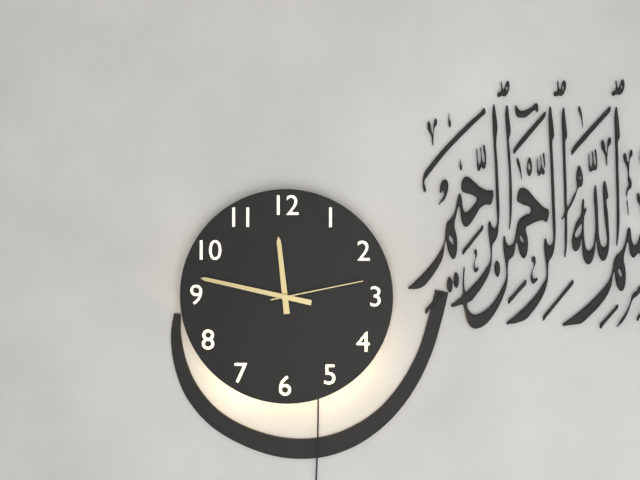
11.47.13
